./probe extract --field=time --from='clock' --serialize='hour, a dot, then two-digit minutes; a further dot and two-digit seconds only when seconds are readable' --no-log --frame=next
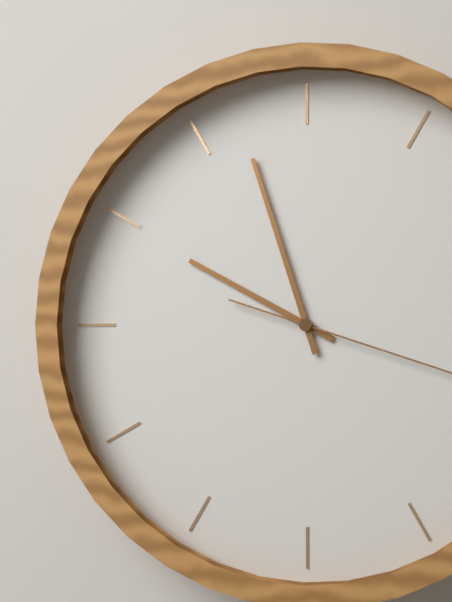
9.57
